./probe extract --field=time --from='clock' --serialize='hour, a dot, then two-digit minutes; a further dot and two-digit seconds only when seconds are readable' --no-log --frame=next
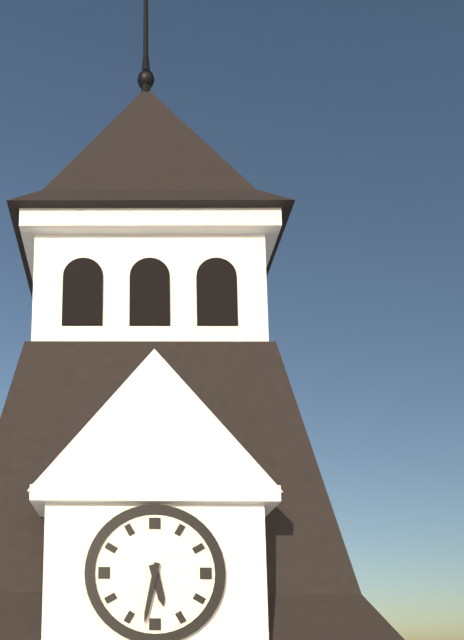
5.32
